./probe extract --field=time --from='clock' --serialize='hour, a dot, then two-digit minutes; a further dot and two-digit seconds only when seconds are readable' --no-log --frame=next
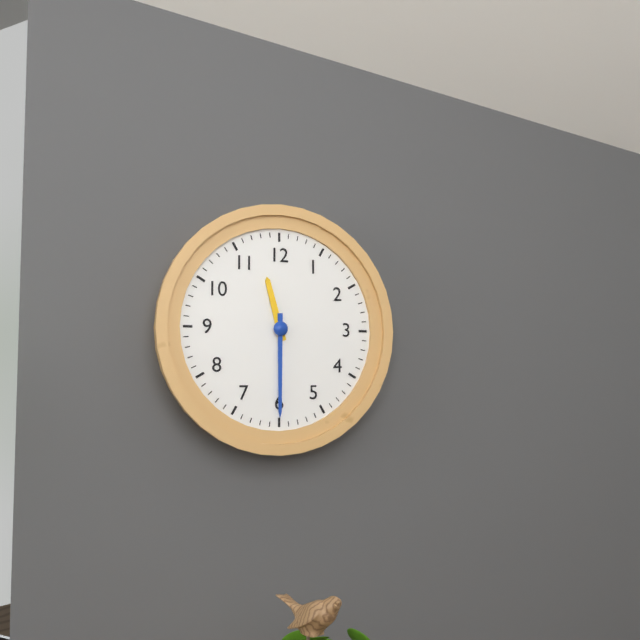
11.30
